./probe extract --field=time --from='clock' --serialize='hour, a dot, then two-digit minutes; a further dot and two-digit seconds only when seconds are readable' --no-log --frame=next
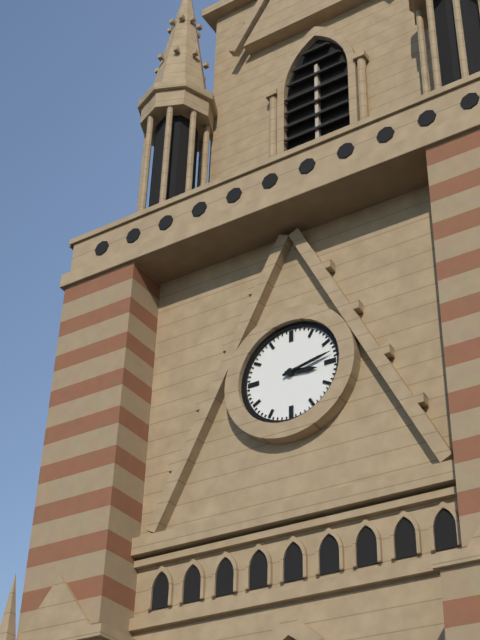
3.13
